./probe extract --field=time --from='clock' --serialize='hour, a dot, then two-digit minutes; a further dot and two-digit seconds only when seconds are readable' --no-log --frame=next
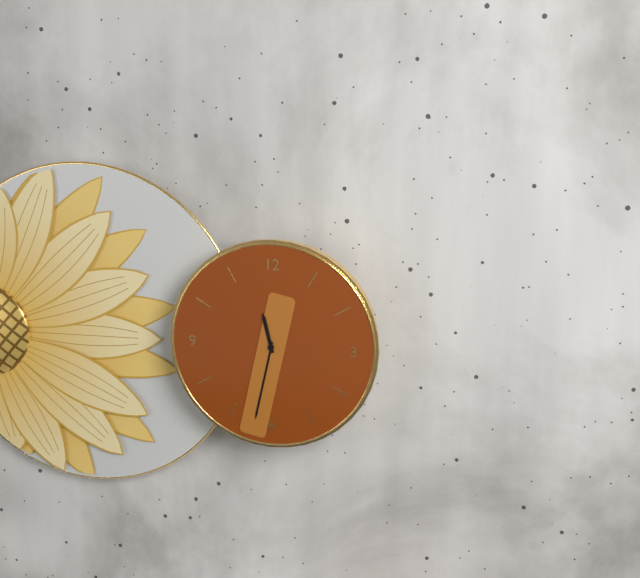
11.32
